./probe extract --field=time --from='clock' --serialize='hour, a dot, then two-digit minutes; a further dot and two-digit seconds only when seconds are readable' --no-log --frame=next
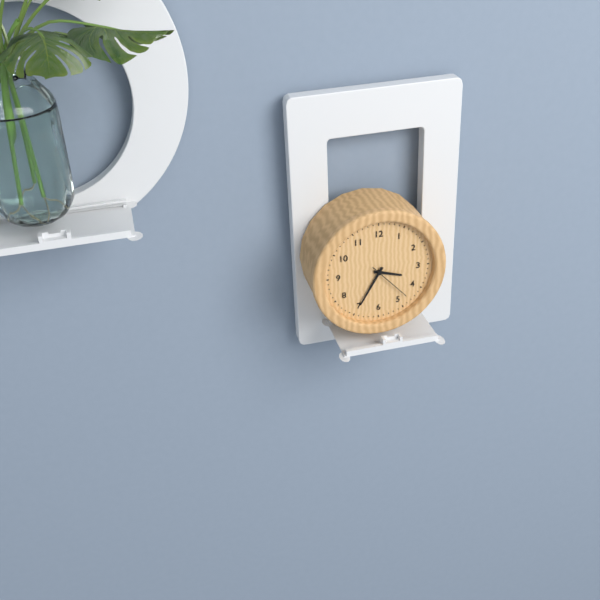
3.35
